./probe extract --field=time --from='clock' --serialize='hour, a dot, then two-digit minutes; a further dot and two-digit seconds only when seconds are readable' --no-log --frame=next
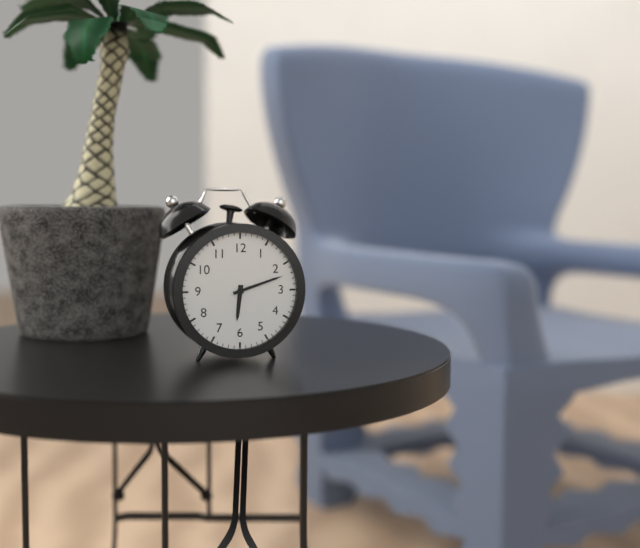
6.12
